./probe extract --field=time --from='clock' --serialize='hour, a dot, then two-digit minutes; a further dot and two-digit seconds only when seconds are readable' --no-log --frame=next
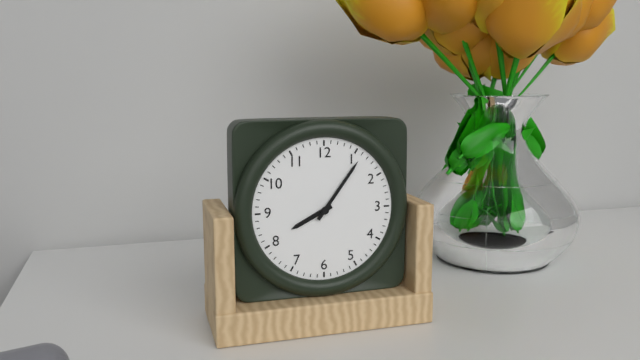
8.06
